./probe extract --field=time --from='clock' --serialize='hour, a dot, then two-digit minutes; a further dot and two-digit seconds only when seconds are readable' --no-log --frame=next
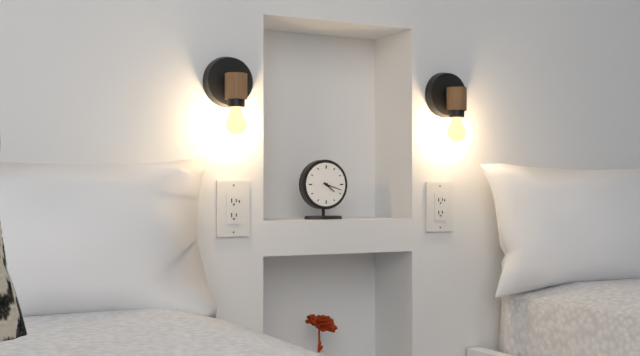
4.18
